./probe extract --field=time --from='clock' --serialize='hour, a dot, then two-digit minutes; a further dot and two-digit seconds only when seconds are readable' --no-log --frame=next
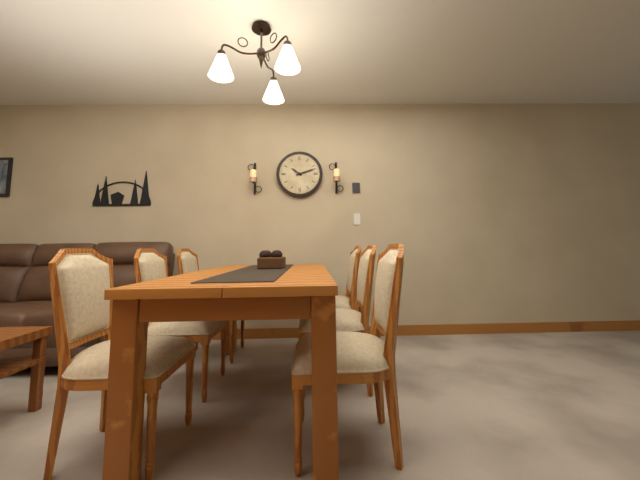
10.12
